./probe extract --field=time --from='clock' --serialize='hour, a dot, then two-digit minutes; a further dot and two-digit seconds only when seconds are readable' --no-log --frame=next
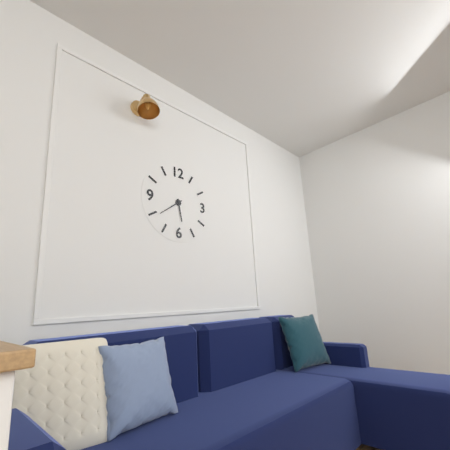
5.39
